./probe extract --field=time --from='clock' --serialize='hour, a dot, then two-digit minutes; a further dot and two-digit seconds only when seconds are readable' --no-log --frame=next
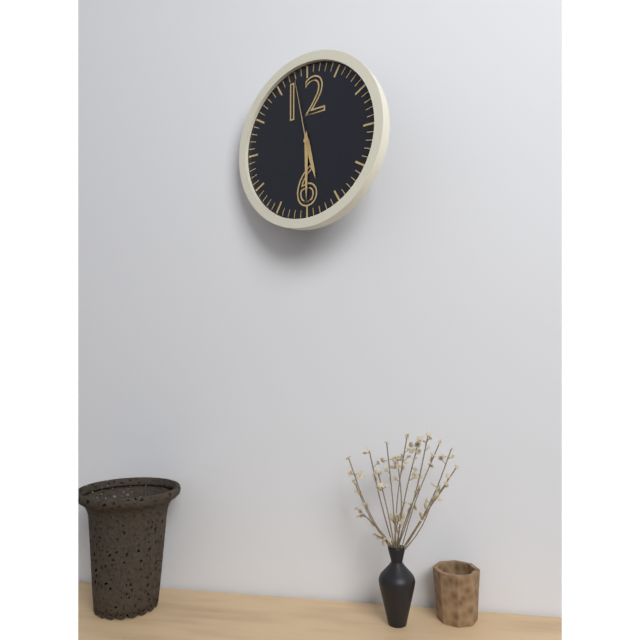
5.30.58
